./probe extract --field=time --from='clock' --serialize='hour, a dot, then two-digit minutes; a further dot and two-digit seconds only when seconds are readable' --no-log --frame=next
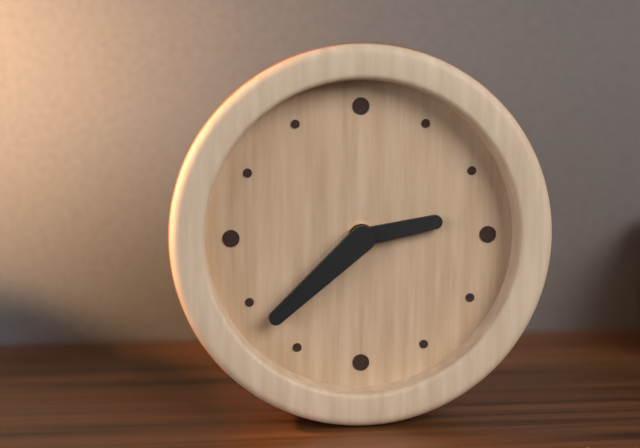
2.38
